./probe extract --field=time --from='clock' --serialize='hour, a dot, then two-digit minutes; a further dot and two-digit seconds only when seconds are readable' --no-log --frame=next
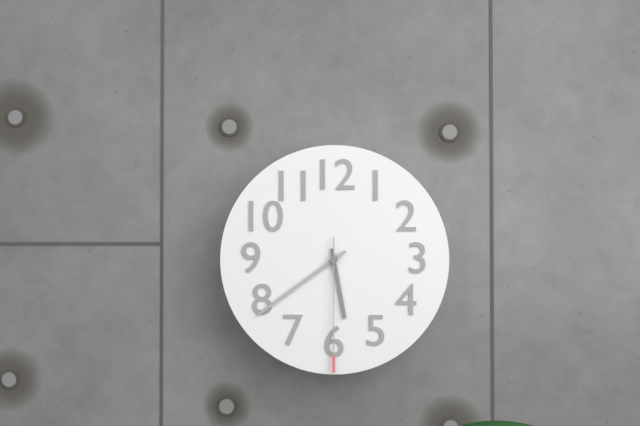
5.39.30
